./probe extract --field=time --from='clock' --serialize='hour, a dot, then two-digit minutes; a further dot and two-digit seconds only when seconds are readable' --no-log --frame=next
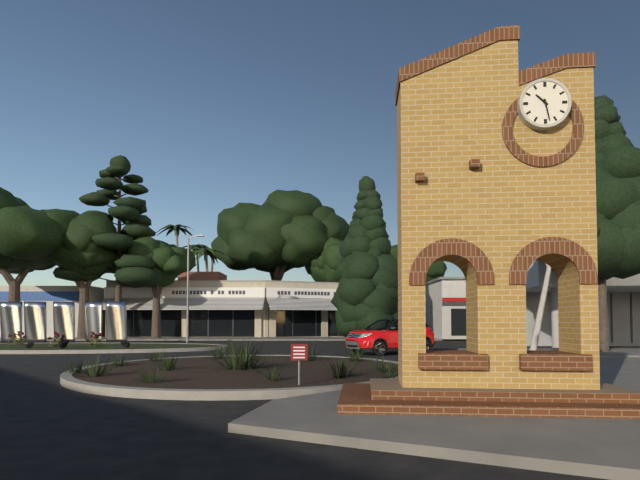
10.28
